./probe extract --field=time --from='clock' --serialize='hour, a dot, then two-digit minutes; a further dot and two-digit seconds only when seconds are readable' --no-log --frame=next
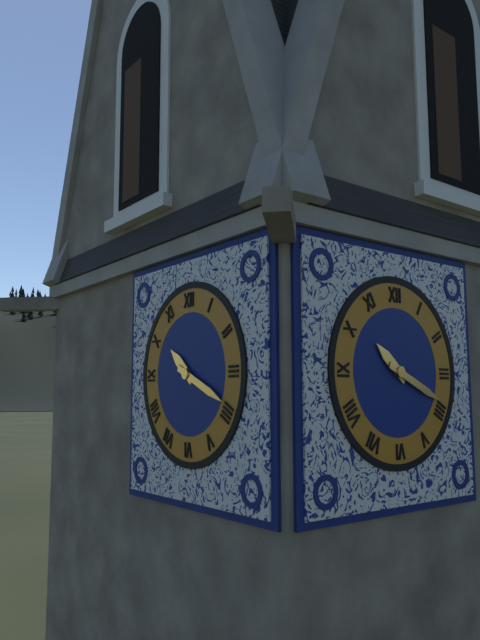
10.19
